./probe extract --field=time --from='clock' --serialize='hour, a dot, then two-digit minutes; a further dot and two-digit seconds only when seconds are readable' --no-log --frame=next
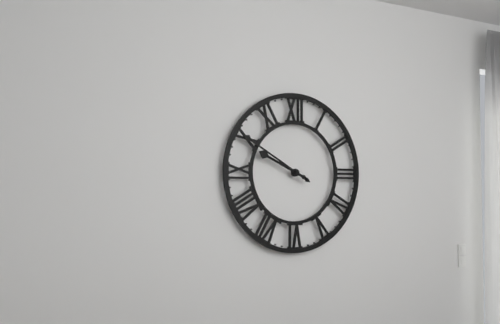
9.50
